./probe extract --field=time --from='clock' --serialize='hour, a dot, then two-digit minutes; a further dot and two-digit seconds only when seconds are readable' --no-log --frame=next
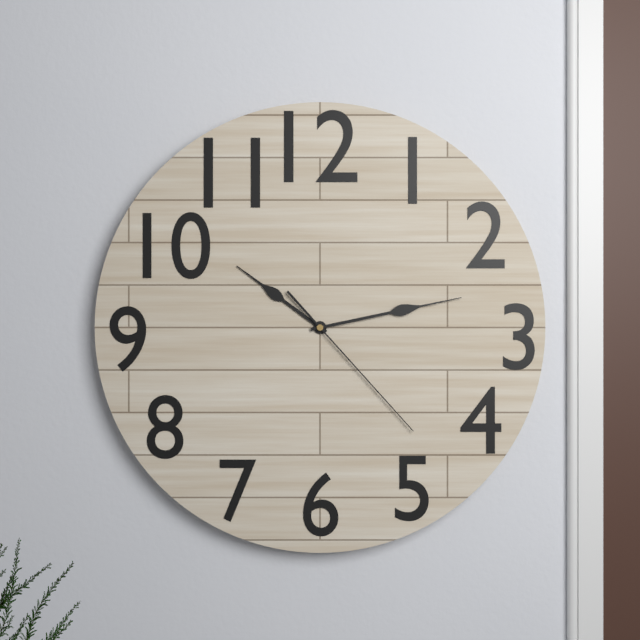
10.13.23
